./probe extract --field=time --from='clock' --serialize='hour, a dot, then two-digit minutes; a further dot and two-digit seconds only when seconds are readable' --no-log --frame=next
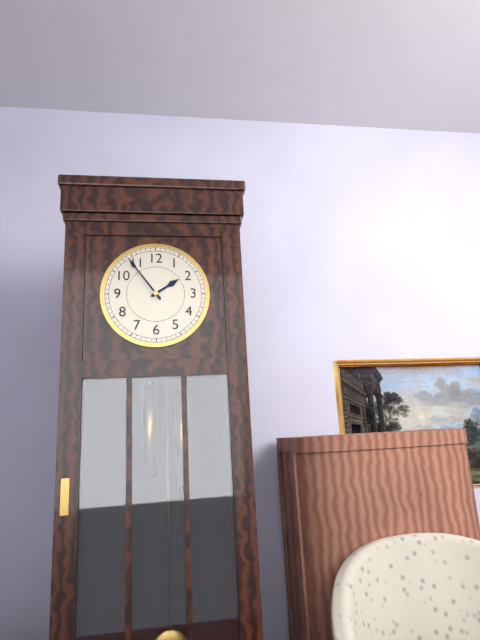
1.54
